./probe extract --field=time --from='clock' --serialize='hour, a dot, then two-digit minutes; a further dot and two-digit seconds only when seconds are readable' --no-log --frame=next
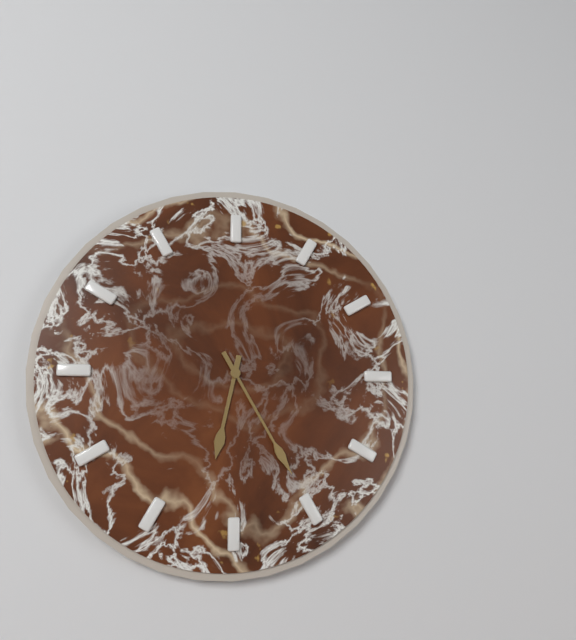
6.25
